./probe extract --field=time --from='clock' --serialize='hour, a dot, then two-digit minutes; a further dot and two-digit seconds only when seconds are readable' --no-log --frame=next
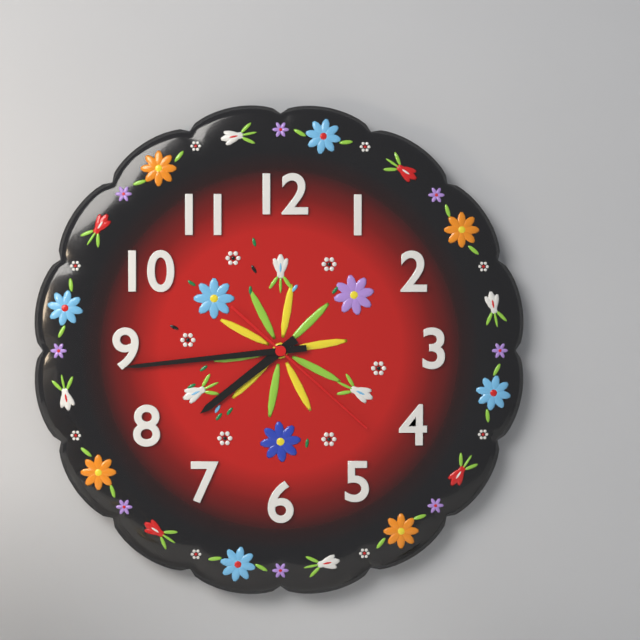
7.44.22
